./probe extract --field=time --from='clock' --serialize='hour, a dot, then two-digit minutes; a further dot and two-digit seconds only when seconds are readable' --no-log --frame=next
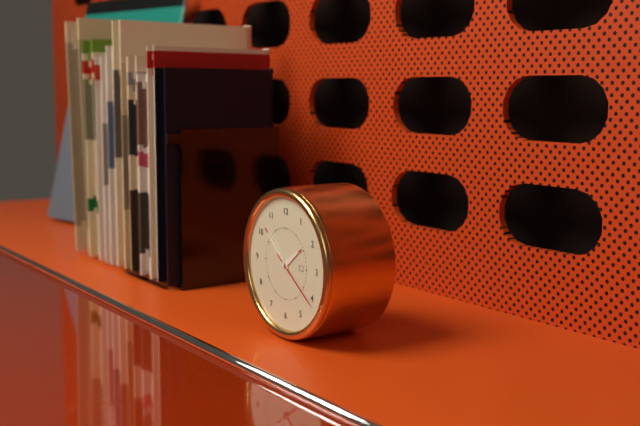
1.52.21
